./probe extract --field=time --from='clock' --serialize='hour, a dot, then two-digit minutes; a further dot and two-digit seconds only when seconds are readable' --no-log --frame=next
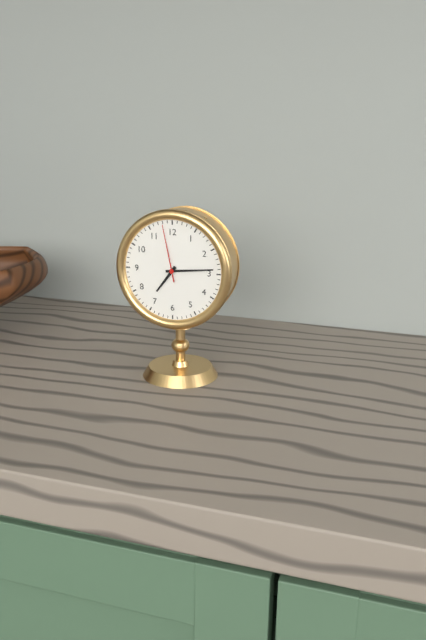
7.14.58
